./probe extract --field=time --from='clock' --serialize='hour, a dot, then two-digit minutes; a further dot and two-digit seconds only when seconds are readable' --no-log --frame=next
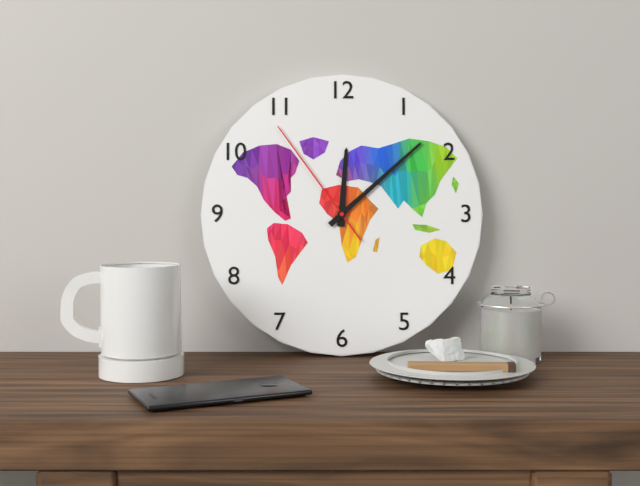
12.08.54
